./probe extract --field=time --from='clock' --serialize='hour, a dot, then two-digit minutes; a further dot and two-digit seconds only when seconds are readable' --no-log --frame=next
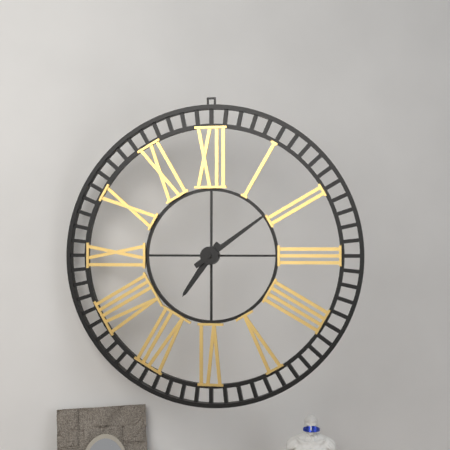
7.09
